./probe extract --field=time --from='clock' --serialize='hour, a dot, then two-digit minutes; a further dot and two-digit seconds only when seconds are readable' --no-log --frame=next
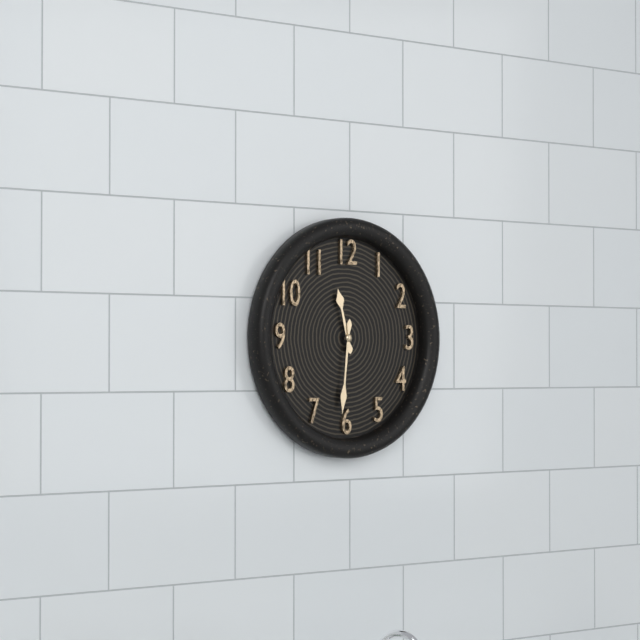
11.31
